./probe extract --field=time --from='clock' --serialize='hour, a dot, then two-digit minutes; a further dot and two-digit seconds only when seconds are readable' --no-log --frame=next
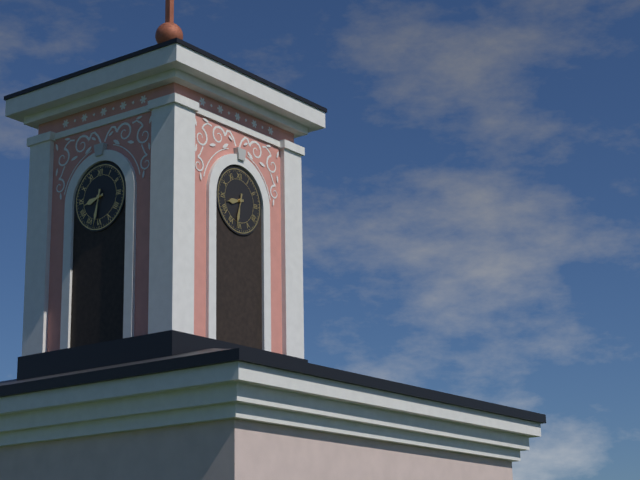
8.32
